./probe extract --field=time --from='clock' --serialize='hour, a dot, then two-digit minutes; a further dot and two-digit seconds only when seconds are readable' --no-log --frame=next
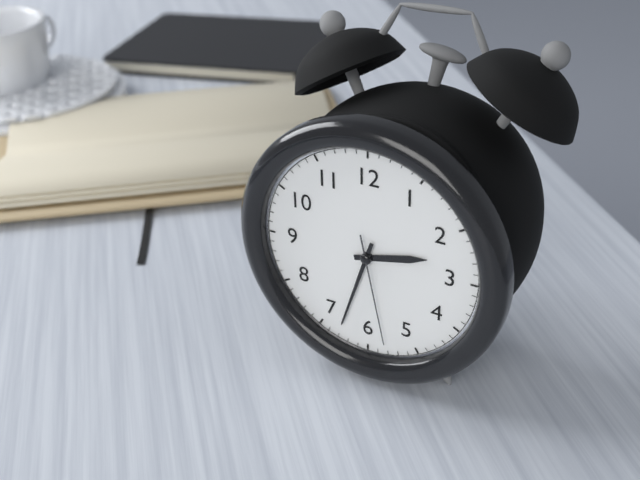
2.33.28
